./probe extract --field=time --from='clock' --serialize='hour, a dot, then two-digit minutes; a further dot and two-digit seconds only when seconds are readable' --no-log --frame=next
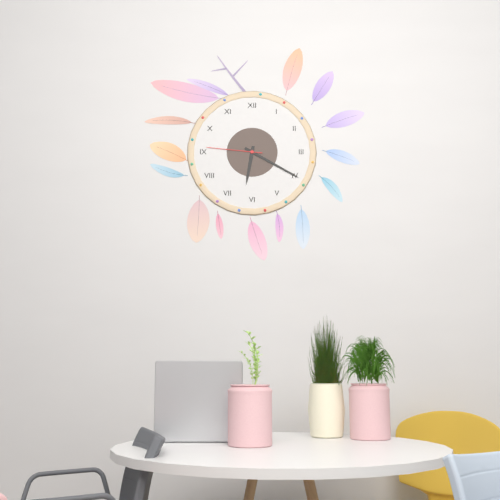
6.20.46
